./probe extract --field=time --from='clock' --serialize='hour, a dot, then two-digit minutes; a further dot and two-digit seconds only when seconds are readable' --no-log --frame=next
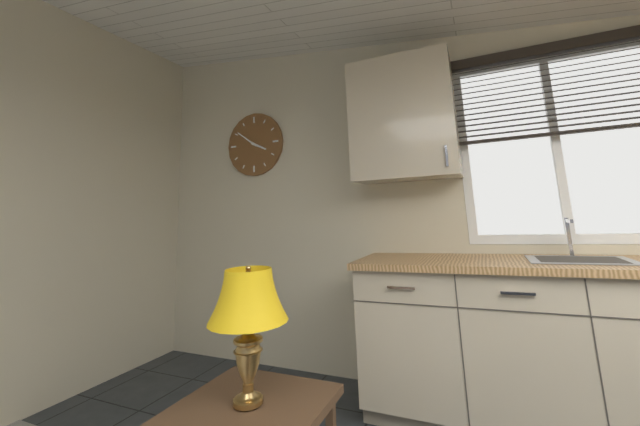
3.51
